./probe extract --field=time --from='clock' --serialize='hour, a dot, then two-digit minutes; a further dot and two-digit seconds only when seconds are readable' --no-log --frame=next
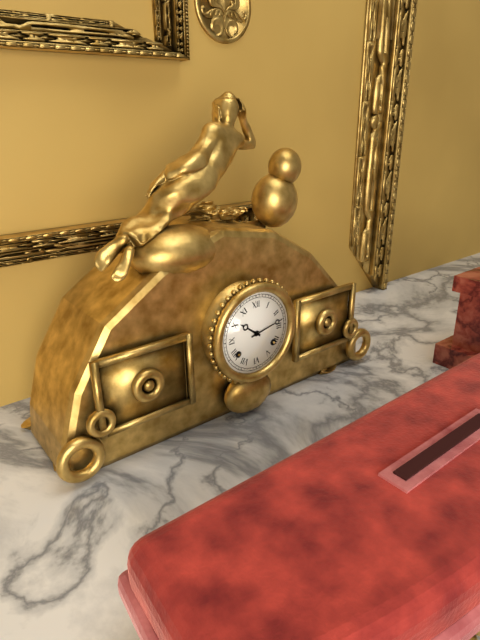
10.13
